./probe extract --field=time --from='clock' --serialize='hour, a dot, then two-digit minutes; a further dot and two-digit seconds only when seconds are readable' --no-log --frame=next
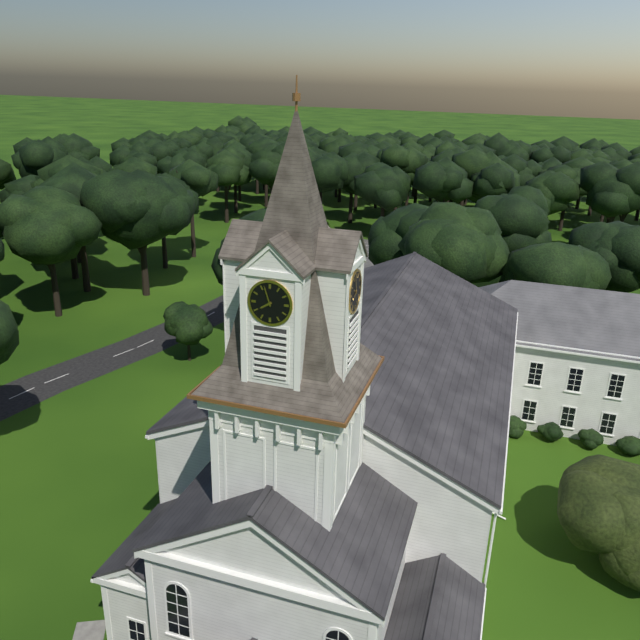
7.57
